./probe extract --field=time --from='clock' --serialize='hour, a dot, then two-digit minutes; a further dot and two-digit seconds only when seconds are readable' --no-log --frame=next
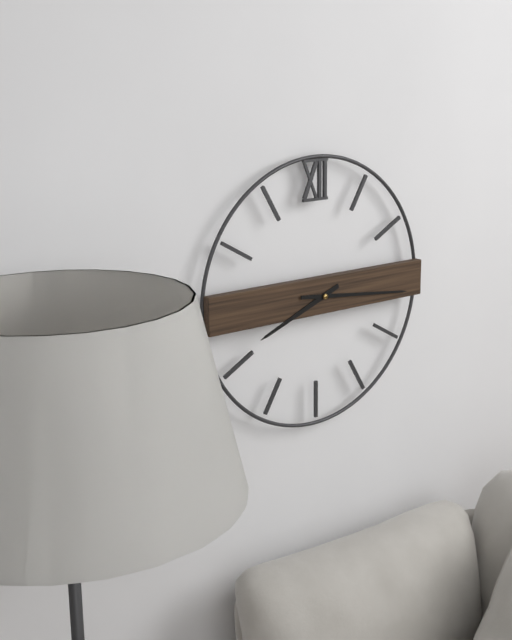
8.16
